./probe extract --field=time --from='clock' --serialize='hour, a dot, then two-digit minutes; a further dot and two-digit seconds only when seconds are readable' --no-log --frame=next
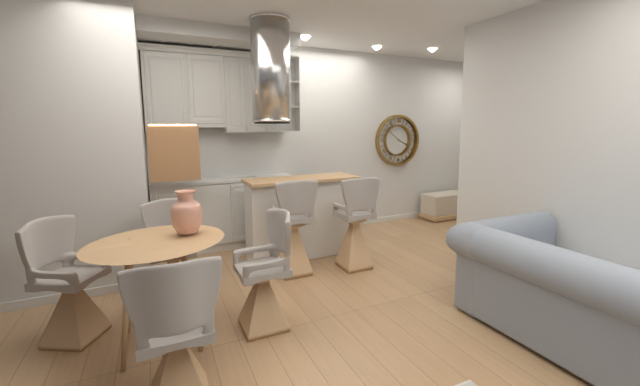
3.51
